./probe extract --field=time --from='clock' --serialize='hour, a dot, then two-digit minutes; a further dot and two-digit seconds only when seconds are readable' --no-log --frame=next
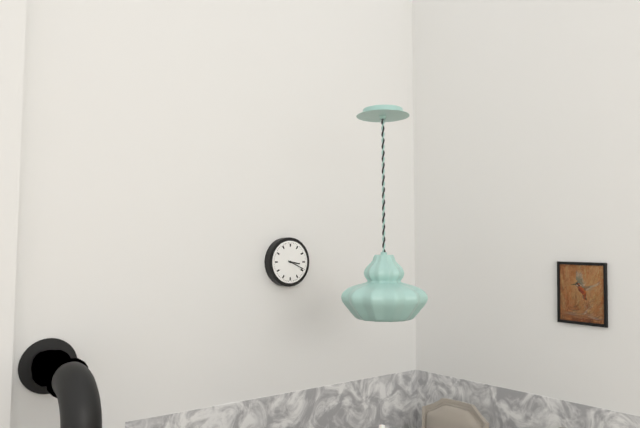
3.19
